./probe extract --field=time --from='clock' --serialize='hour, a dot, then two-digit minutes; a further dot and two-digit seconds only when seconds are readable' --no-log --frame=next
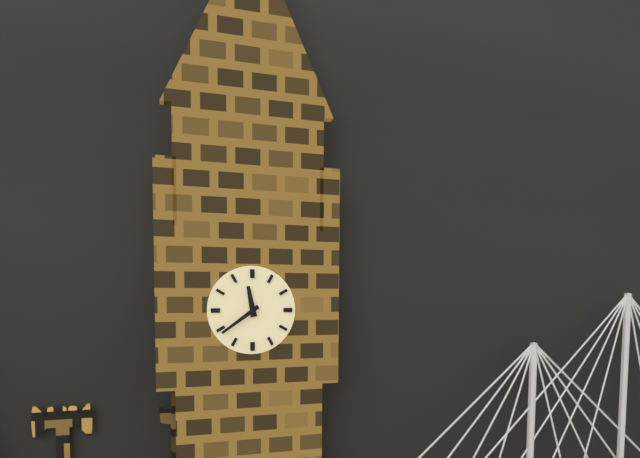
11.39
